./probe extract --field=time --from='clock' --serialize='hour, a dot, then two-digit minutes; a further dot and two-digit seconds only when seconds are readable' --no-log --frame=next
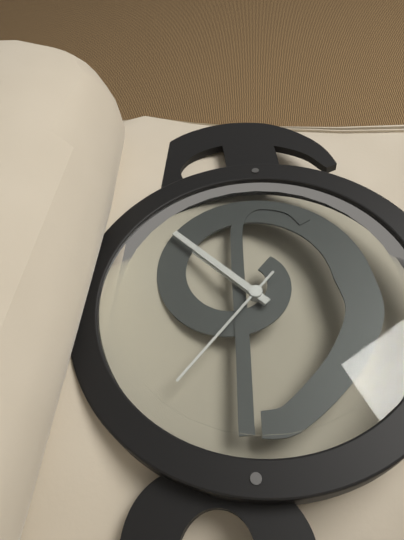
4.22.06
